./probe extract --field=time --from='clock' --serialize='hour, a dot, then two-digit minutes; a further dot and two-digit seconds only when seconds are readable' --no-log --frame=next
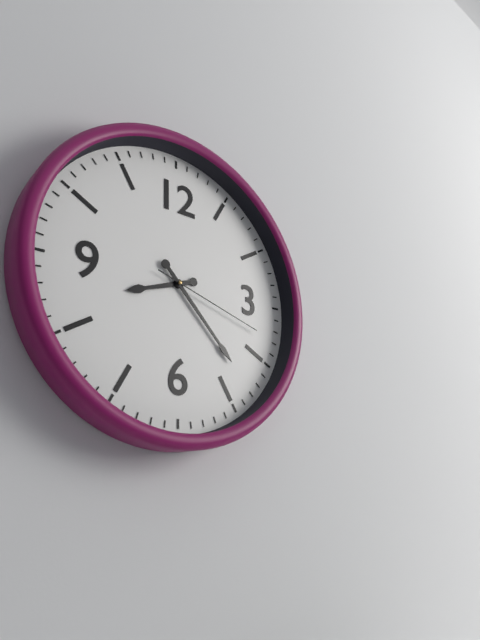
8.23.18
